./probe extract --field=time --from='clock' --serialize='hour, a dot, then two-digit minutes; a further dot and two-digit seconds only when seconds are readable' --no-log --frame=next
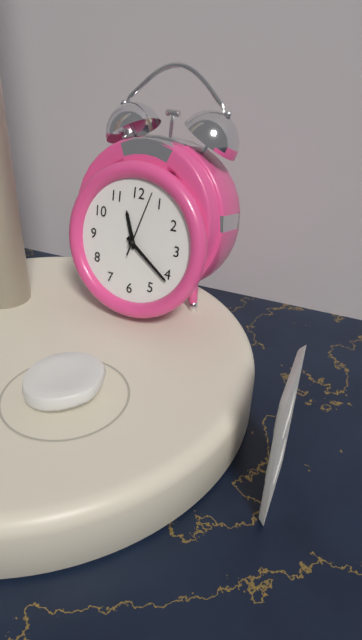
11.21.03
